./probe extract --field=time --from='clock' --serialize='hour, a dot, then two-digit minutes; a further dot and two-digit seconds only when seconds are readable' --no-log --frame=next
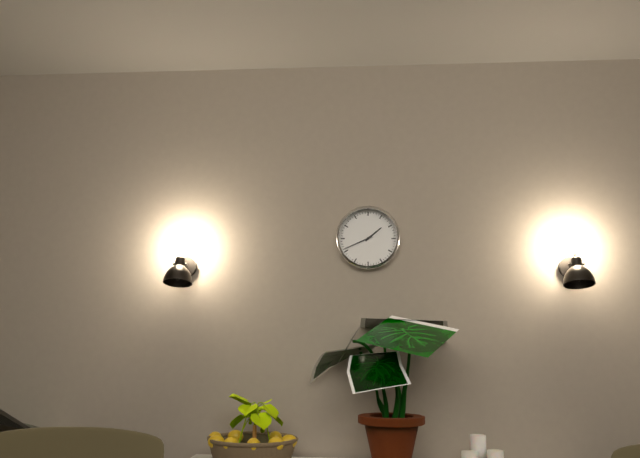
1.41
